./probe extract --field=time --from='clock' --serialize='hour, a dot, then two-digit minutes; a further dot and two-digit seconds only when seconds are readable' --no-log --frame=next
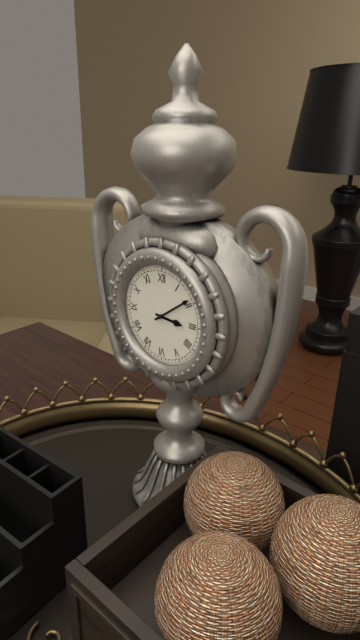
3.09
